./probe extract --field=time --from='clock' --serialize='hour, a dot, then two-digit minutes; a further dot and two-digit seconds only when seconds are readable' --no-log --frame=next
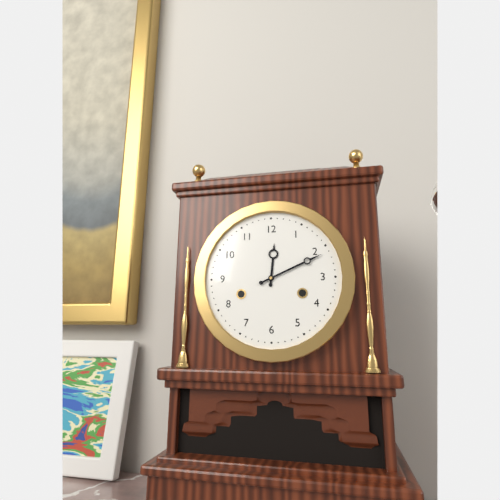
12.11
